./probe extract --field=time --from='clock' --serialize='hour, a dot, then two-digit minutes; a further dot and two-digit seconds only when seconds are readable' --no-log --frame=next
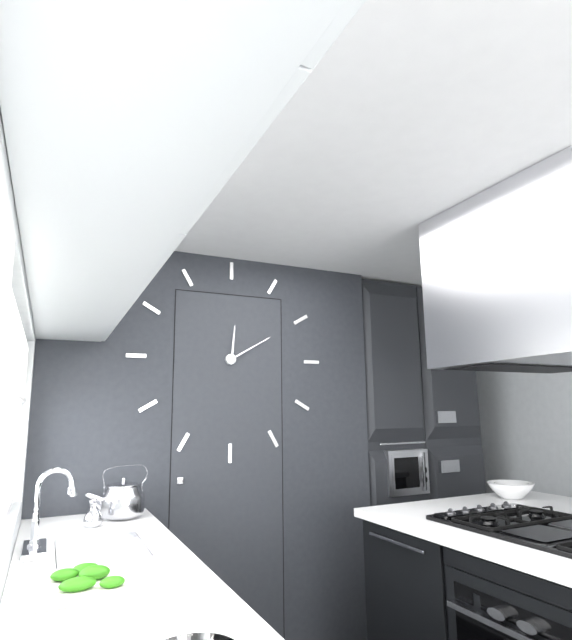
12.10
